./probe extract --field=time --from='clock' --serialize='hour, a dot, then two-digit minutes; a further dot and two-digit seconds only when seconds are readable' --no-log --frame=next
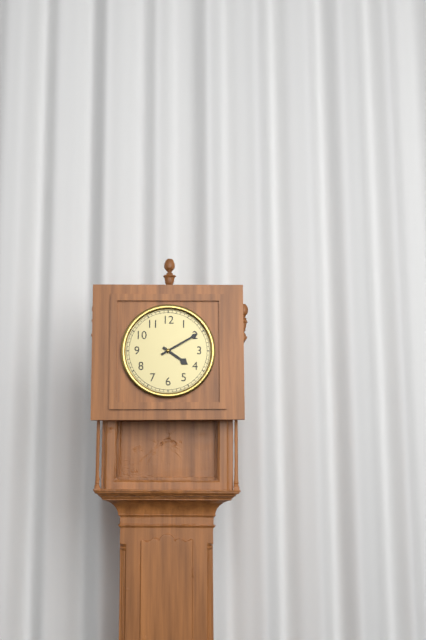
4.10
